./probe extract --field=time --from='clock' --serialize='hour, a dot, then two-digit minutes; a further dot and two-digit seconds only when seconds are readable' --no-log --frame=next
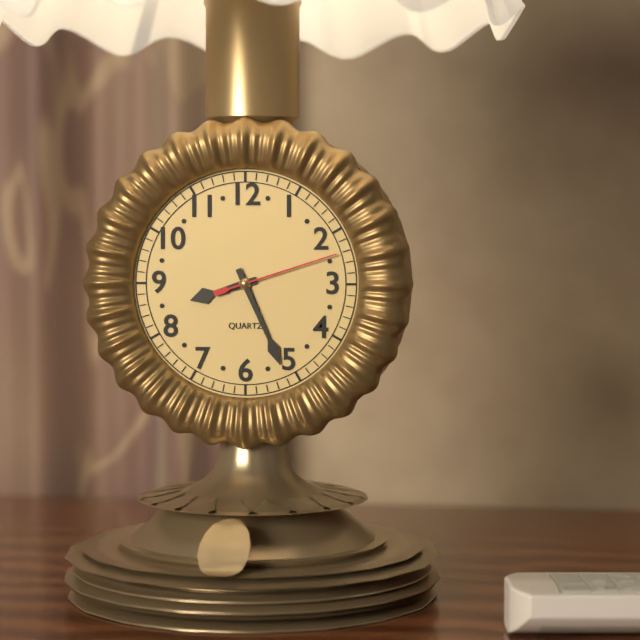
8.26.12
